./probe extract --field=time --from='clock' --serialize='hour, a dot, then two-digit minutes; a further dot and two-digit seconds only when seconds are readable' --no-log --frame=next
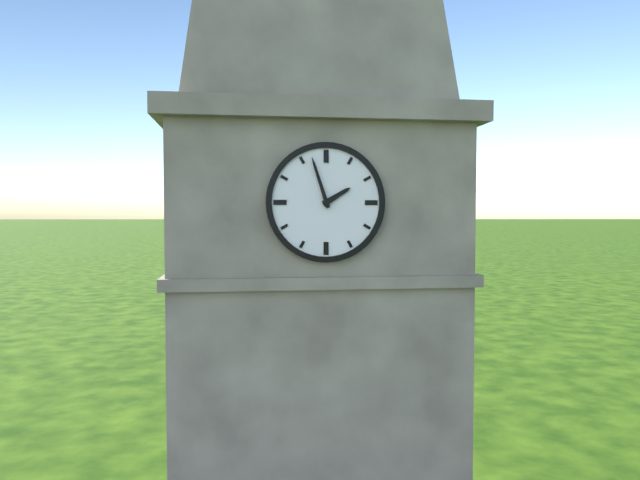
1.57
